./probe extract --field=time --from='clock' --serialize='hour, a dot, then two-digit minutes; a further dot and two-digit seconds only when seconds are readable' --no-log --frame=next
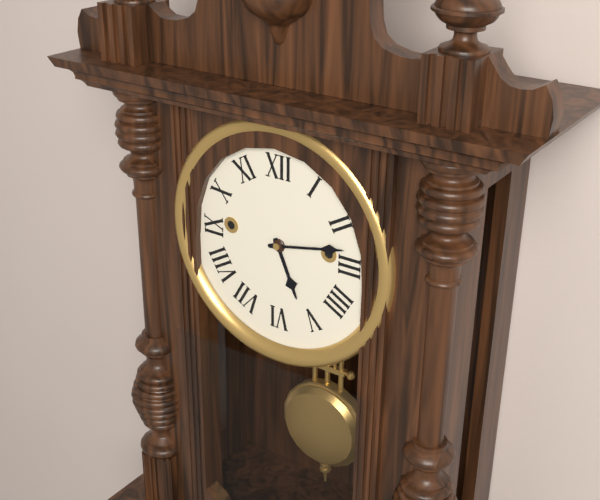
5.13
